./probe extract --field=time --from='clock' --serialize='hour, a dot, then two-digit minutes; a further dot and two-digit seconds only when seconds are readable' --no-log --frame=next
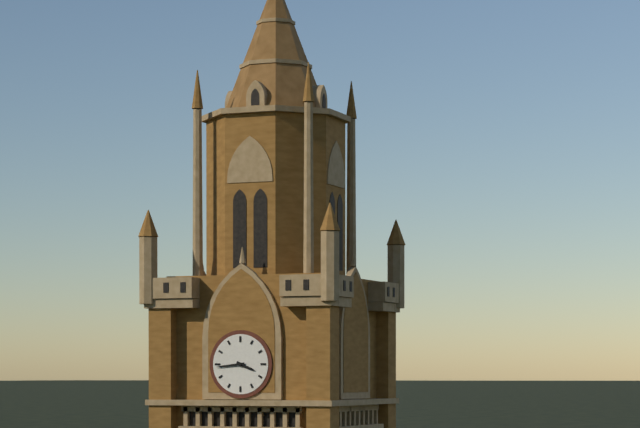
3.44
